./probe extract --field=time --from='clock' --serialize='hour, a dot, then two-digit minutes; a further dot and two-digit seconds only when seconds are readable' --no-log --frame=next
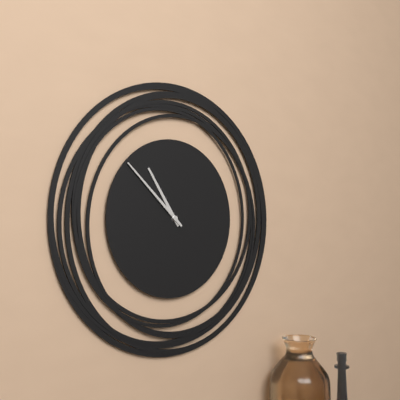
10.52
